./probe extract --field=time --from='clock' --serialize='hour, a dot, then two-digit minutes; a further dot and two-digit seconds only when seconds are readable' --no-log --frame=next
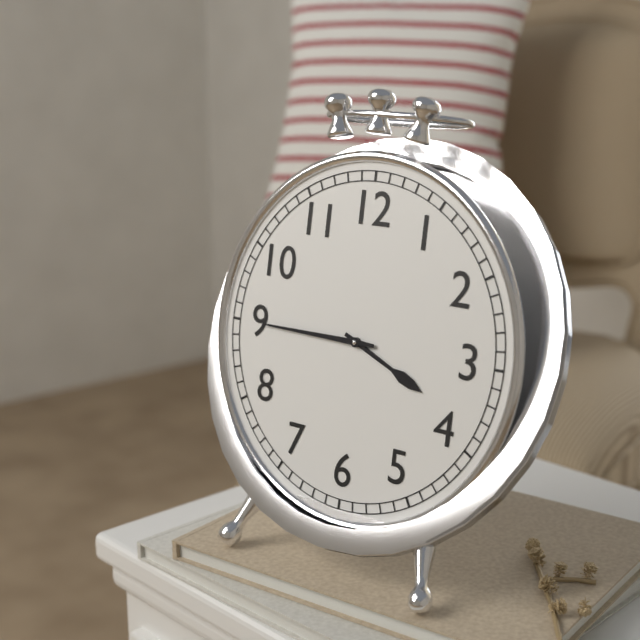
3.45
